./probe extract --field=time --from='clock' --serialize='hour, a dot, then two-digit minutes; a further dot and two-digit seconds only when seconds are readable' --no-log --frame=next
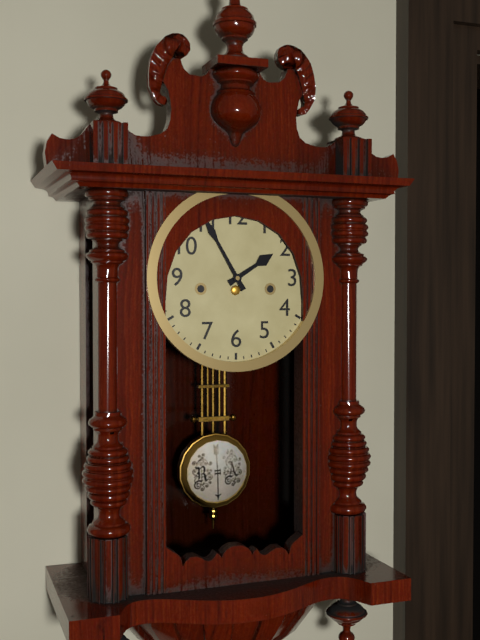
1.55
